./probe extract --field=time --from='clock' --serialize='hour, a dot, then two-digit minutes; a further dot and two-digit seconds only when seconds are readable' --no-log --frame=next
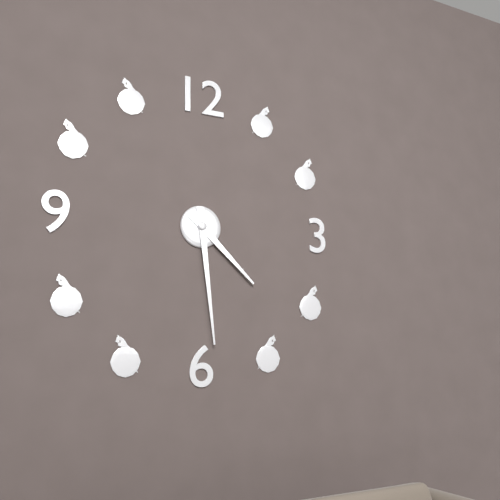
4.29
